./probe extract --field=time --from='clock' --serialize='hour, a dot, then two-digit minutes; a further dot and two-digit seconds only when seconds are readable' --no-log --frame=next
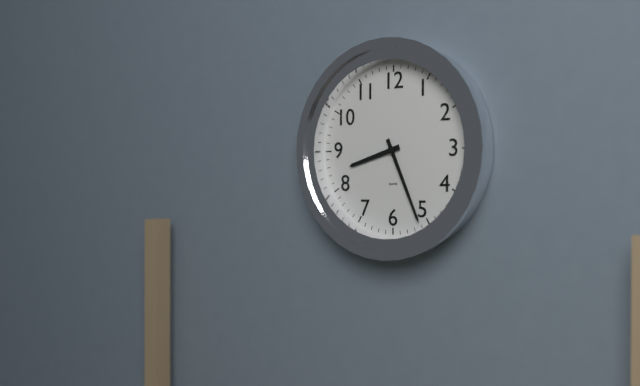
8.26
